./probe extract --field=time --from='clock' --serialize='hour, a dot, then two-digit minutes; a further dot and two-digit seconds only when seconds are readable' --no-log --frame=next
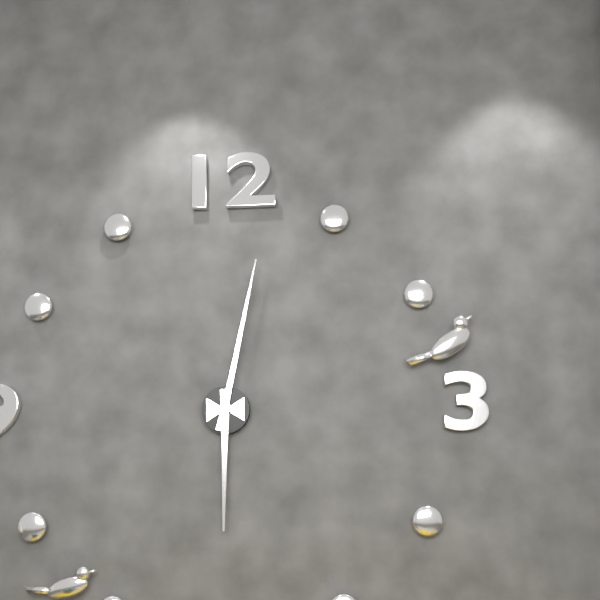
6.02
